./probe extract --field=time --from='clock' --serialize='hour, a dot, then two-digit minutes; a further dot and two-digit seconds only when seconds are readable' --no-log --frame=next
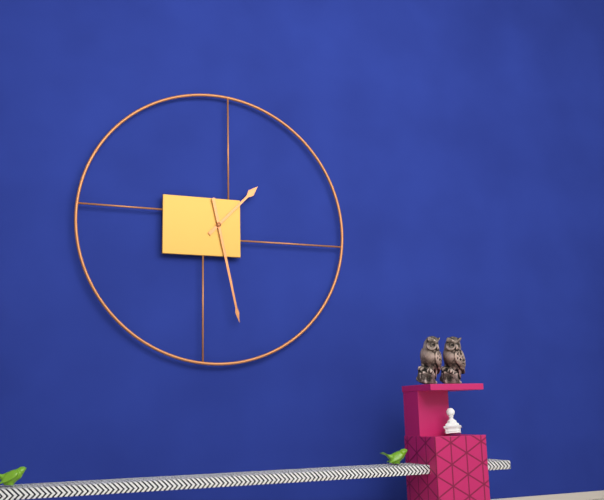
1.28
